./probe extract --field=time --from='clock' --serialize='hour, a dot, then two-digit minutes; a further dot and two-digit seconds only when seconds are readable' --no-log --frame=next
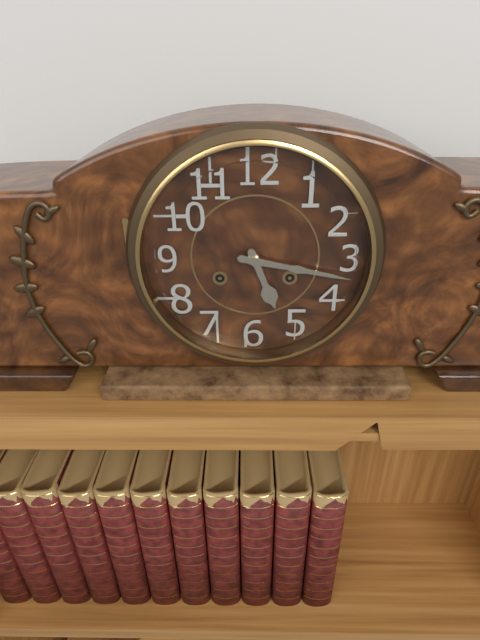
5.17
